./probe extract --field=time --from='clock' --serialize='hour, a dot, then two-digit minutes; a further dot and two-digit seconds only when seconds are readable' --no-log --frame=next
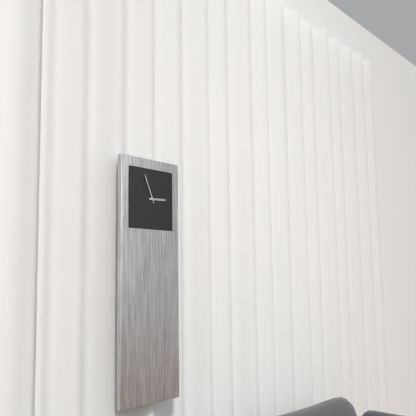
2.56
